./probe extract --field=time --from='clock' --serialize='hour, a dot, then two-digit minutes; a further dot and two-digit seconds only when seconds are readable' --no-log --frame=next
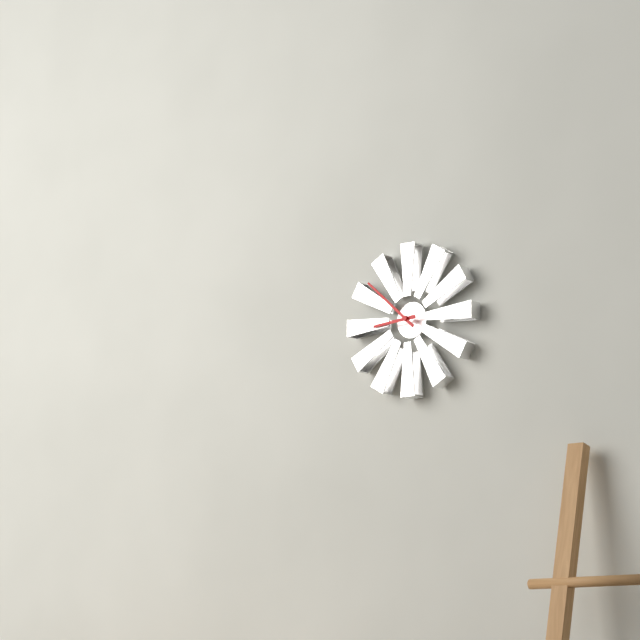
8.52
